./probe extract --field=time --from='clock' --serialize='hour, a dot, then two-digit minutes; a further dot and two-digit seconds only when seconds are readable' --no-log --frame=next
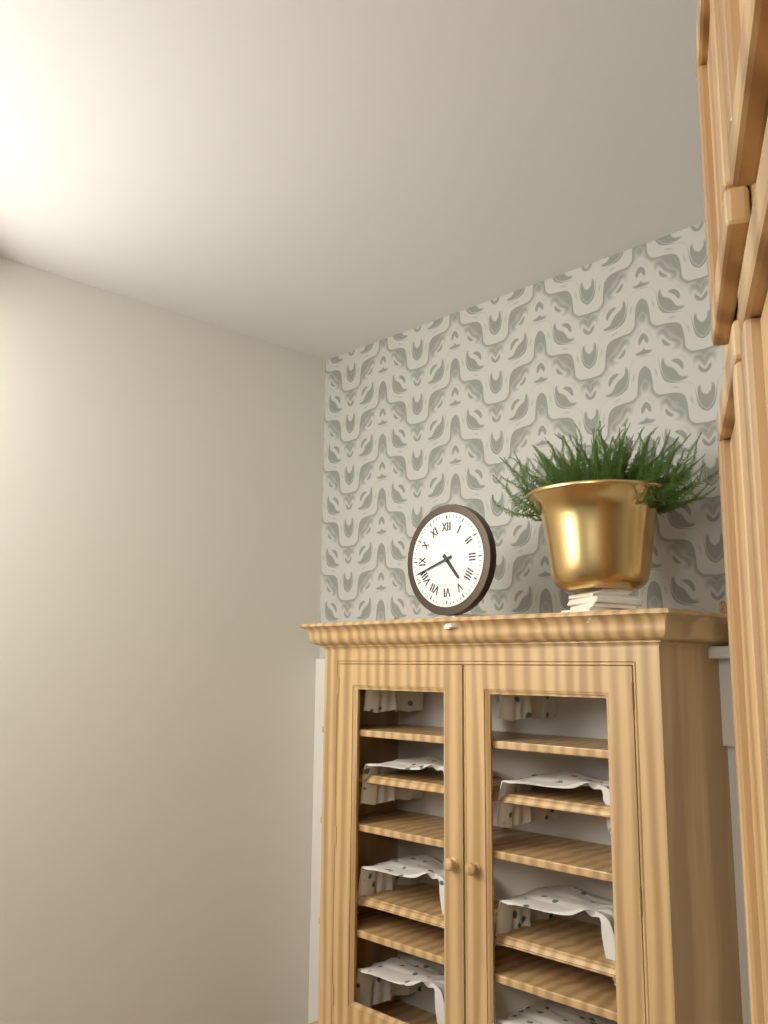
4.42
